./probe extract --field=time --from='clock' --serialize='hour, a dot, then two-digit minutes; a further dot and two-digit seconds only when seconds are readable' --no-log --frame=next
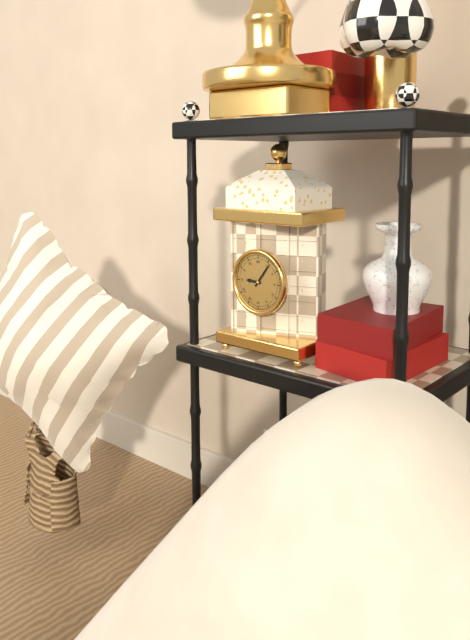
9.06
